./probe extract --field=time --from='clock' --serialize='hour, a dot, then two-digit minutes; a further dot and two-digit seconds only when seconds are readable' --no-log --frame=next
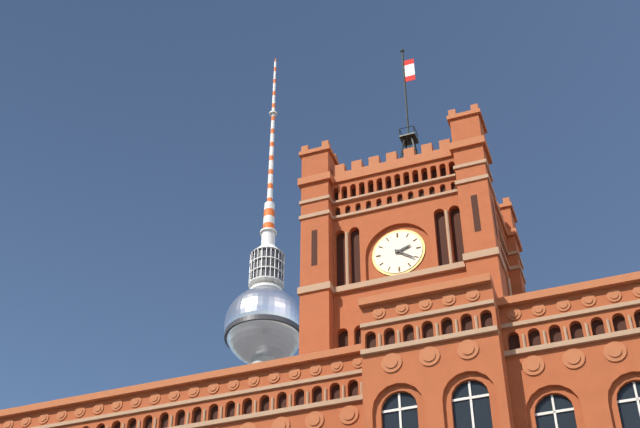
2.21
